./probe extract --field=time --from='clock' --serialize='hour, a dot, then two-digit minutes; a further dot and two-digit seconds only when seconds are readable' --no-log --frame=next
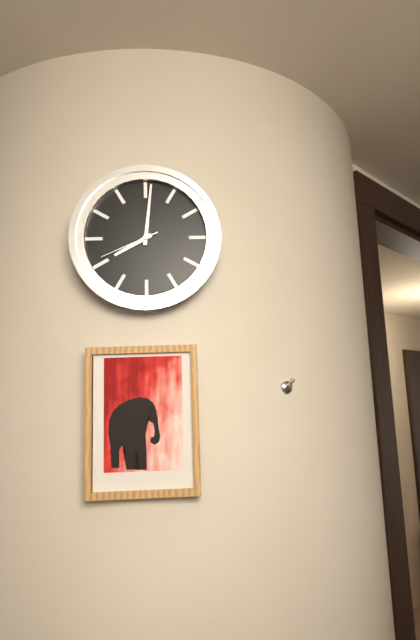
8.01.41
